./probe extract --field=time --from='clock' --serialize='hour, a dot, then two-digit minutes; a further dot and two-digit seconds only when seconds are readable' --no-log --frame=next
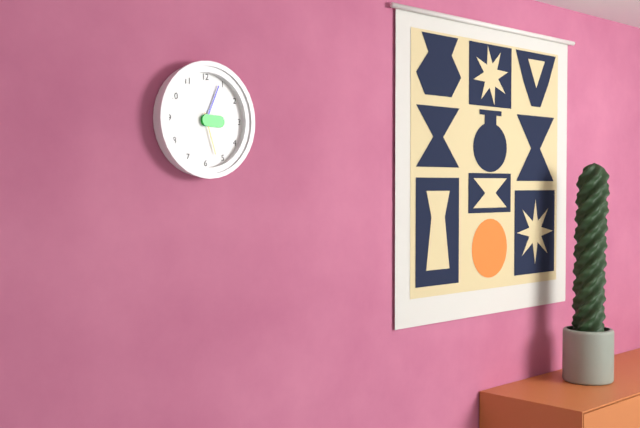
3.04
